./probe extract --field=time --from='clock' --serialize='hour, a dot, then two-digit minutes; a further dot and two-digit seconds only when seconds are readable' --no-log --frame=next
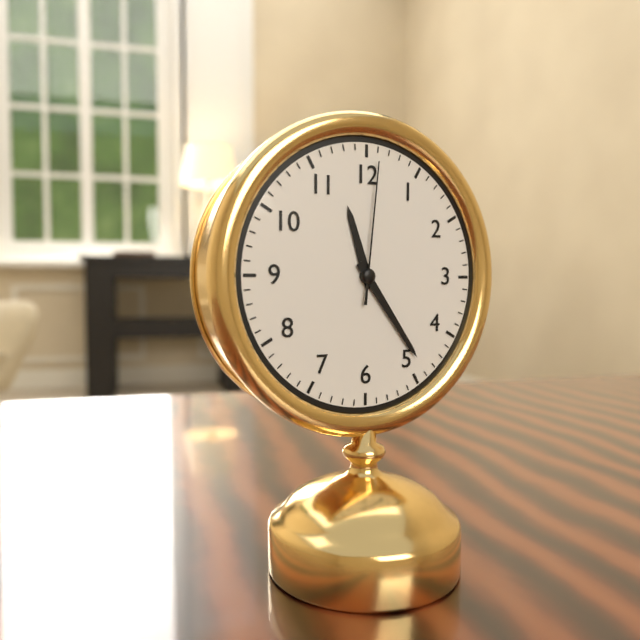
11.24.01
